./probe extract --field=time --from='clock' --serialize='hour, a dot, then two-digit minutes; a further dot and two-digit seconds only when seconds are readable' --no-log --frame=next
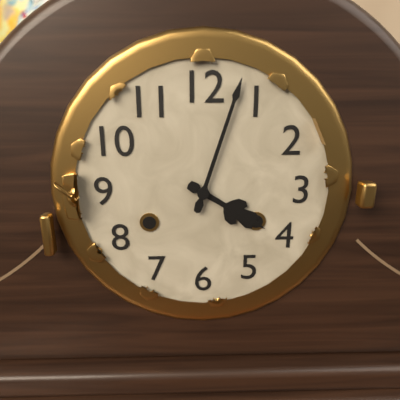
4.03
